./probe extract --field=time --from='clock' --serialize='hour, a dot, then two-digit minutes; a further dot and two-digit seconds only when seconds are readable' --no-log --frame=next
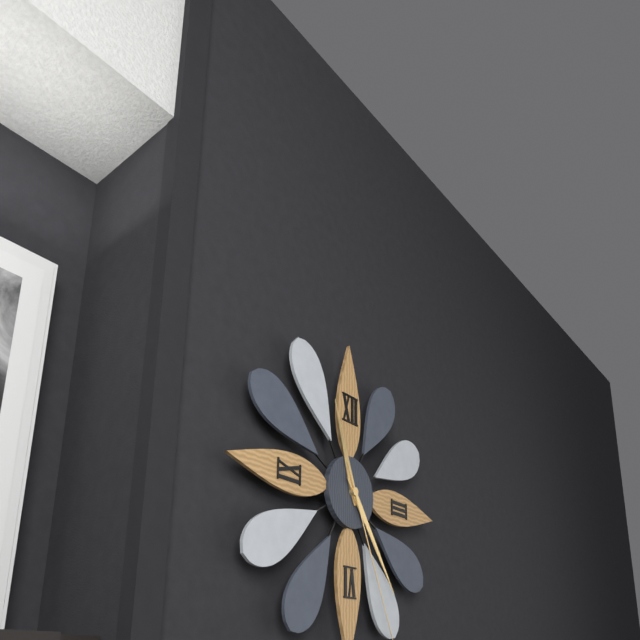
11.24
